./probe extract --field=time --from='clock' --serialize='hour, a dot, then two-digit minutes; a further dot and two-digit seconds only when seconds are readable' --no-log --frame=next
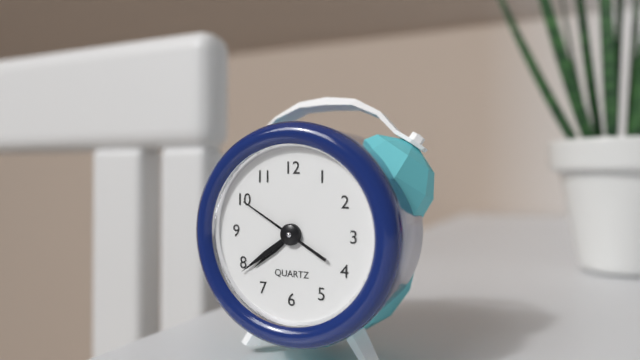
7.39.50
